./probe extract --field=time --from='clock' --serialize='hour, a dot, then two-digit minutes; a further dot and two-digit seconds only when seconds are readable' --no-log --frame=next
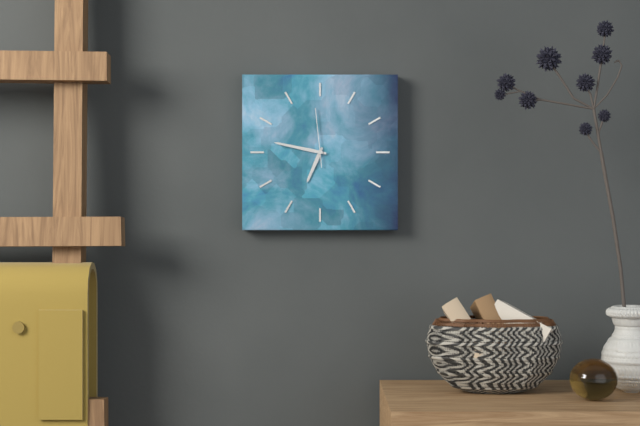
6.47.59
